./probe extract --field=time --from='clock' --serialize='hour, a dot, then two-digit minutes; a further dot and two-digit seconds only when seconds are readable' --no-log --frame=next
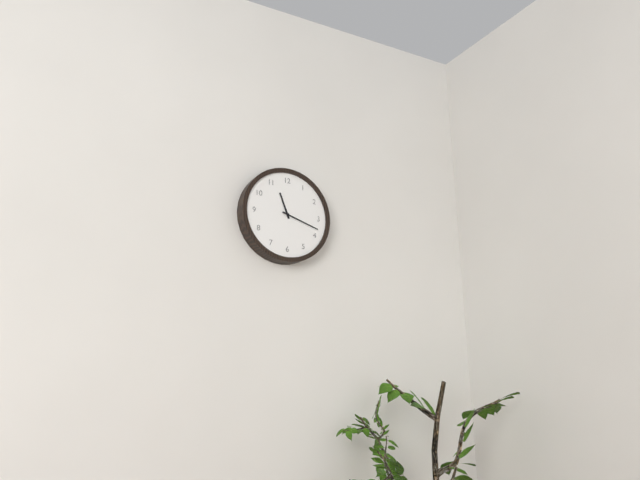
11.18
